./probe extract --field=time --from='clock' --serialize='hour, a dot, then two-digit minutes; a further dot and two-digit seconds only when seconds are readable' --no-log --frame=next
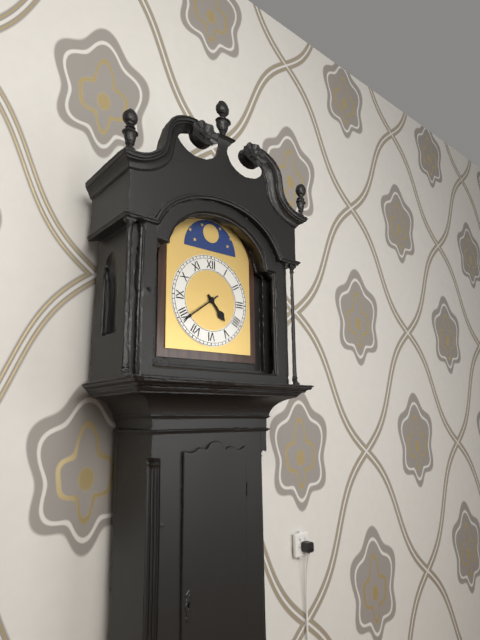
4.39
